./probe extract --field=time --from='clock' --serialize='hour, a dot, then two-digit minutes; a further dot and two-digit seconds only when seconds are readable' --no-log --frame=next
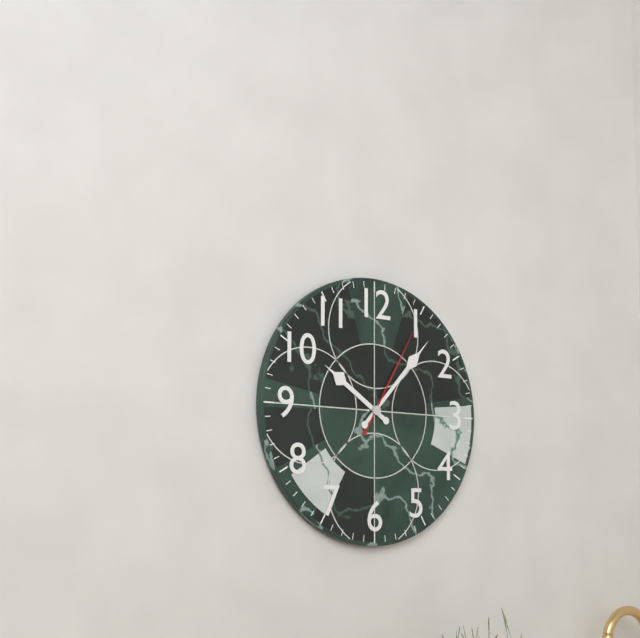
10.07.05
